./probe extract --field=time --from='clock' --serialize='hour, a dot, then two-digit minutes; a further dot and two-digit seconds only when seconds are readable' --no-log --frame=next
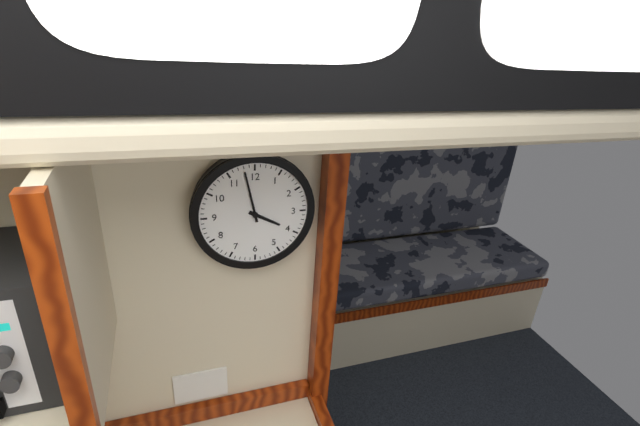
3.58
